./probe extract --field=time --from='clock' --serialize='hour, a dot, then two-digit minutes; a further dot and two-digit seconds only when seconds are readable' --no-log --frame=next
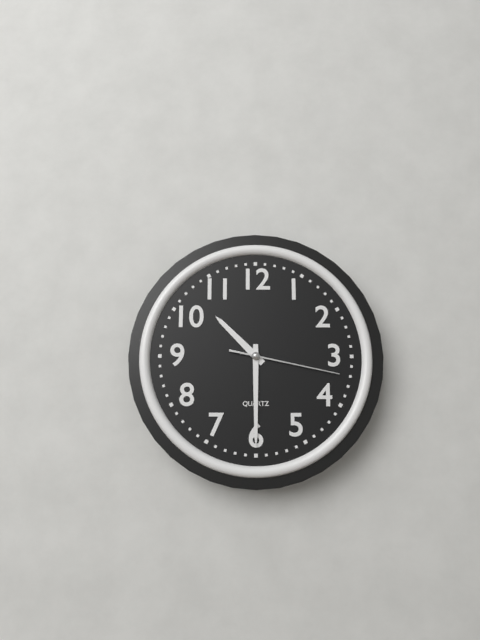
10.30.17
